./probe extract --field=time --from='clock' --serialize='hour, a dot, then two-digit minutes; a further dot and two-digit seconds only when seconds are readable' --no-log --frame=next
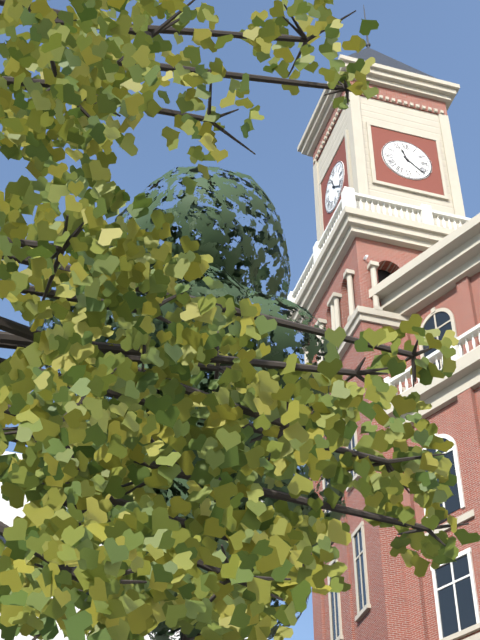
11.22
